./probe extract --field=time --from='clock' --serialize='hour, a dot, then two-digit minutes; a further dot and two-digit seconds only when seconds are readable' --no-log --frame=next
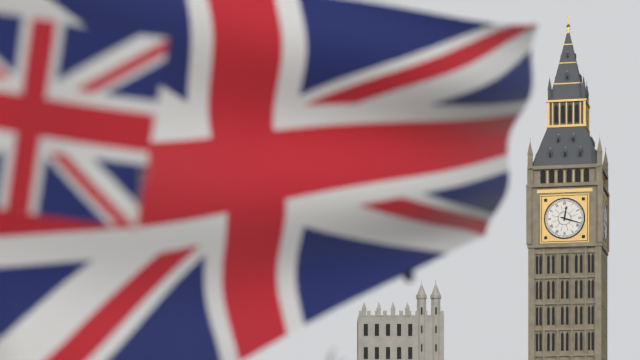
12.18
